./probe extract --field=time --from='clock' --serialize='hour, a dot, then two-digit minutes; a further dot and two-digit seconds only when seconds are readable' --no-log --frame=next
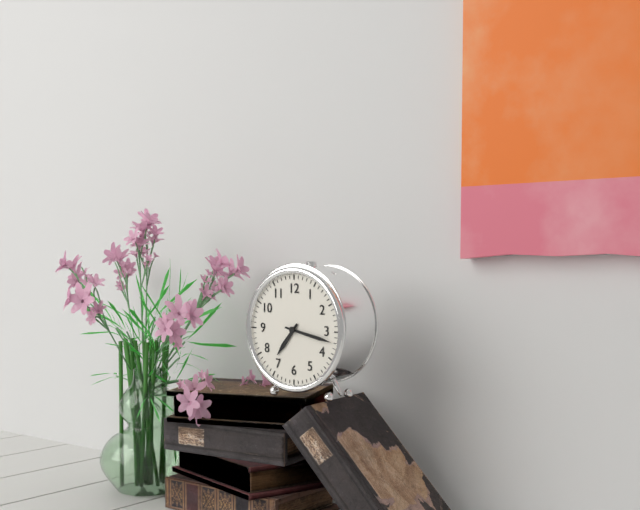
7.17
